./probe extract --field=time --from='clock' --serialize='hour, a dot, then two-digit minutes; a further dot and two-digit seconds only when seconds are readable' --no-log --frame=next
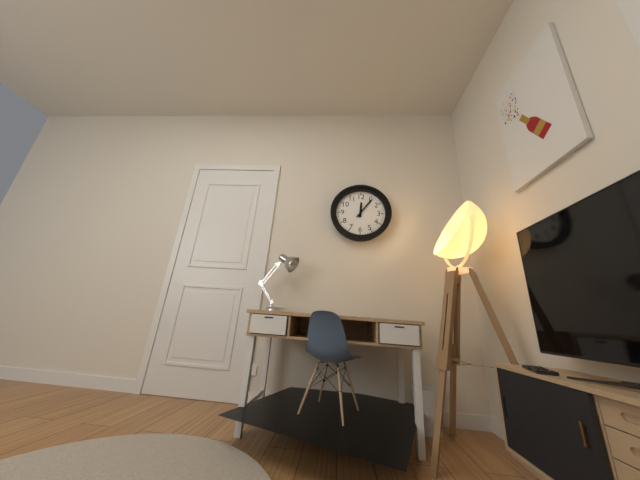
12.06
